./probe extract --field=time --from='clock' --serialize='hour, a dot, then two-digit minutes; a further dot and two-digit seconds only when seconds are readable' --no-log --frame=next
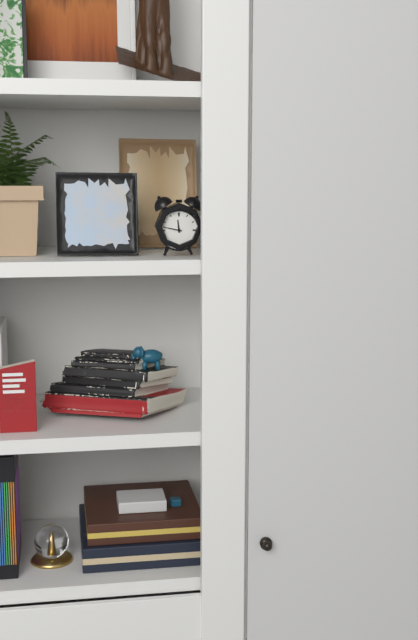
11.47
